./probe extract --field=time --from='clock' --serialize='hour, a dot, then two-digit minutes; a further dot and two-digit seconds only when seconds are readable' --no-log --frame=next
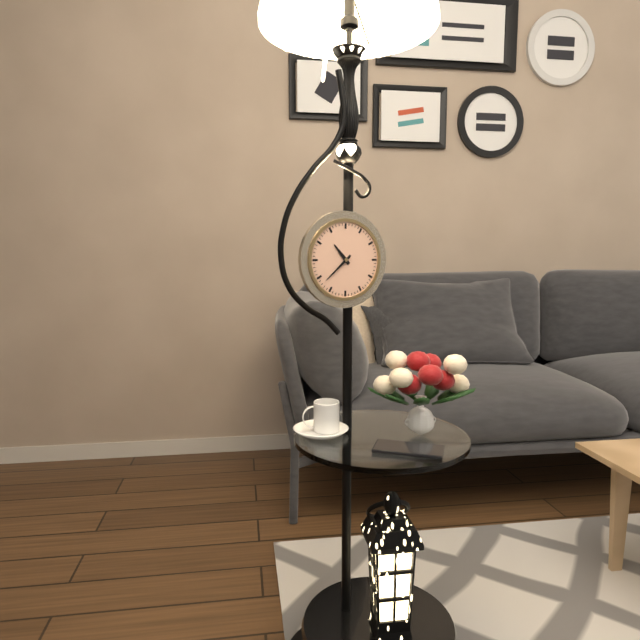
10.38
